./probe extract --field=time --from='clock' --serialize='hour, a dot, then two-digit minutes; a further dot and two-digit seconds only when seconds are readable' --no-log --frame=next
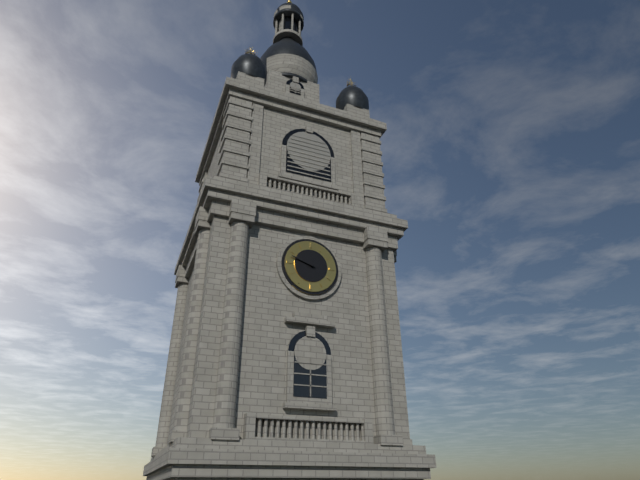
9.48
